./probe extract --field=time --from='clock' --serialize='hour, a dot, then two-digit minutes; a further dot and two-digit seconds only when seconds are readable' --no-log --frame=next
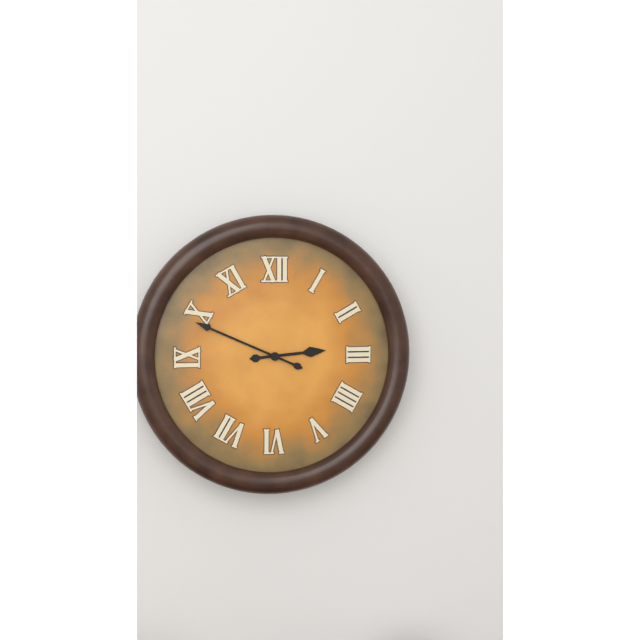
2.49
